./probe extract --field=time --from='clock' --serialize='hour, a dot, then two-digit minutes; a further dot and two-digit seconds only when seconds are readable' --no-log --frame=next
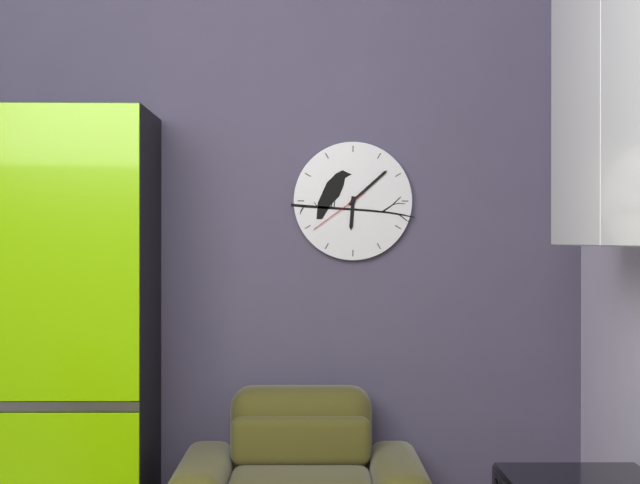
6.08.39
